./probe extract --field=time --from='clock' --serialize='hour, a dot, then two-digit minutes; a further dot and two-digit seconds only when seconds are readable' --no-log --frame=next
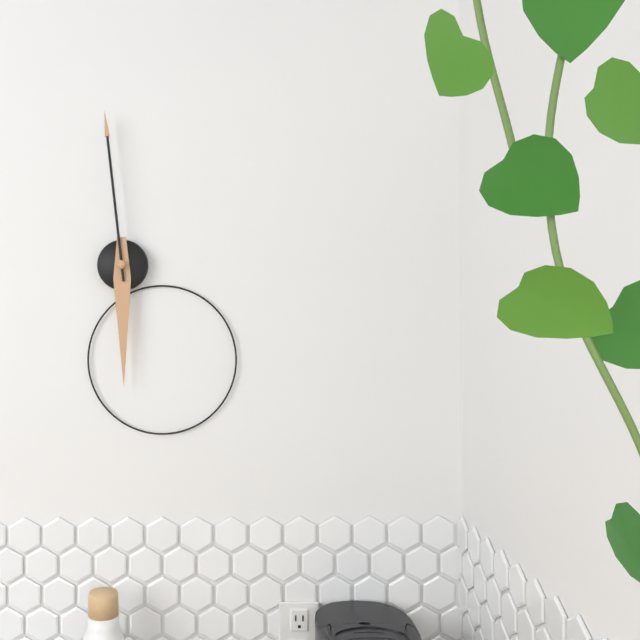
5.59
